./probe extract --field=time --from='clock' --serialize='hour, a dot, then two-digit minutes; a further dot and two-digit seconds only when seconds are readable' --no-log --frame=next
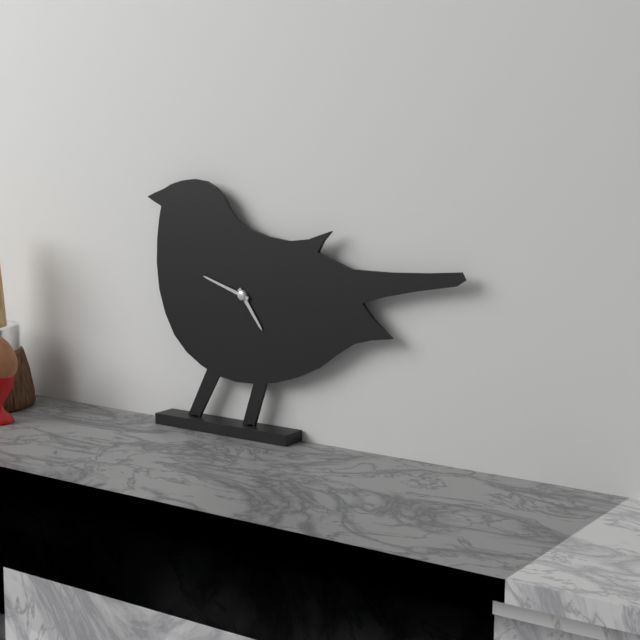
4.48
